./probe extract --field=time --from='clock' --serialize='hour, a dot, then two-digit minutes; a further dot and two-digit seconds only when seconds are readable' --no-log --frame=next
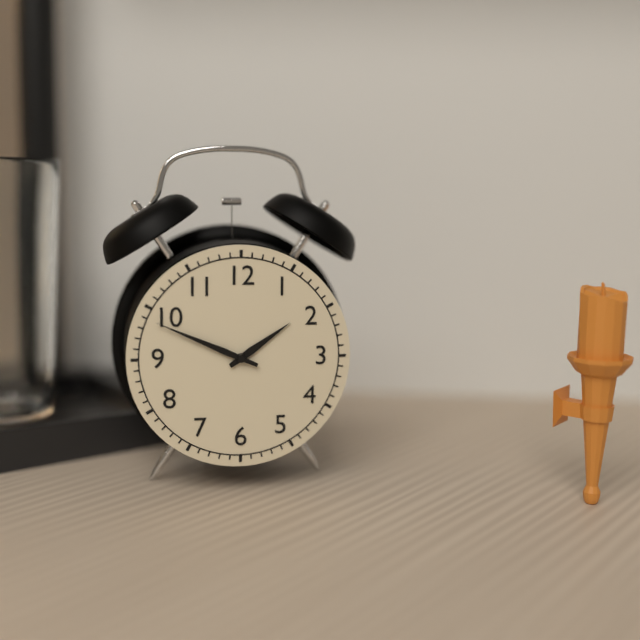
1.49
